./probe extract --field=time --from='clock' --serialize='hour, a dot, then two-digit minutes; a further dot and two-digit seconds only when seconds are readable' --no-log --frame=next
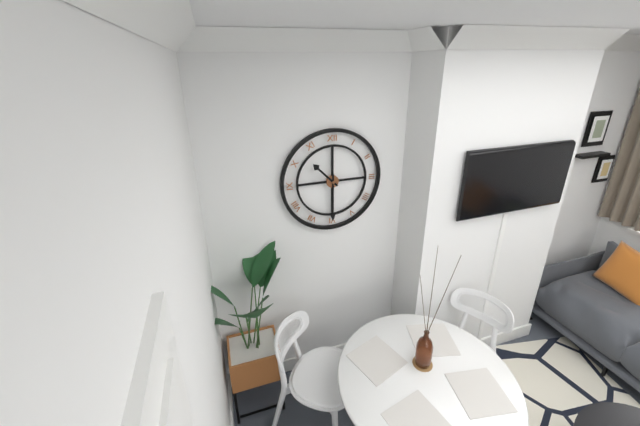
10.30
